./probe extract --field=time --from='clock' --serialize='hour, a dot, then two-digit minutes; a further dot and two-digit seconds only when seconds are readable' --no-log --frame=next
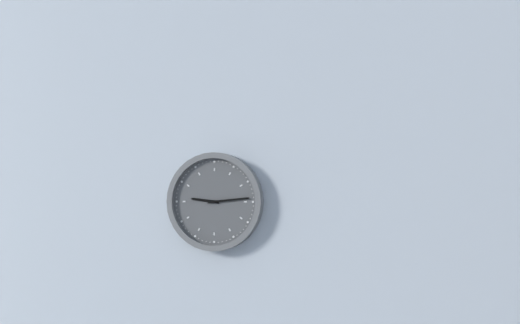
9.14
